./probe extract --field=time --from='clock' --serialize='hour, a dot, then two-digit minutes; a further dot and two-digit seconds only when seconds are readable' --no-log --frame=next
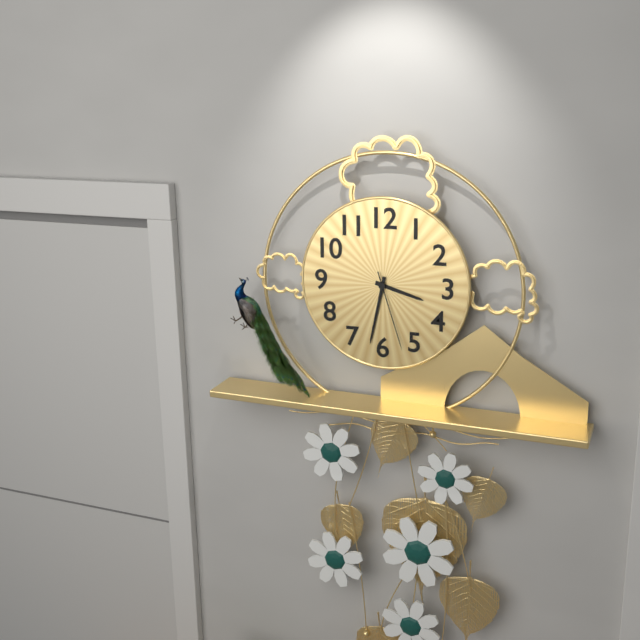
3.32.27
